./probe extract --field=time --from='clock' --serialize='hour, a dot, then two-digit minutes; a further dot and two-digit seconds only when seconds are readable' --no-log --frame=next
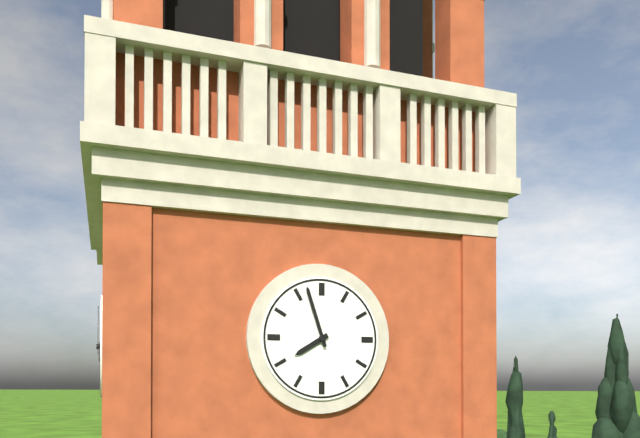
7.57
